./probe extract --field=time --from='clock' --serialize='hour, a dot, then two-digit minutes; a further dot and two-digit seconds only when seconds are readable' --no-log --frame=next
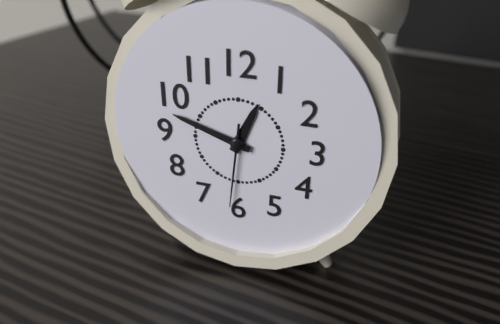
12.48.31
